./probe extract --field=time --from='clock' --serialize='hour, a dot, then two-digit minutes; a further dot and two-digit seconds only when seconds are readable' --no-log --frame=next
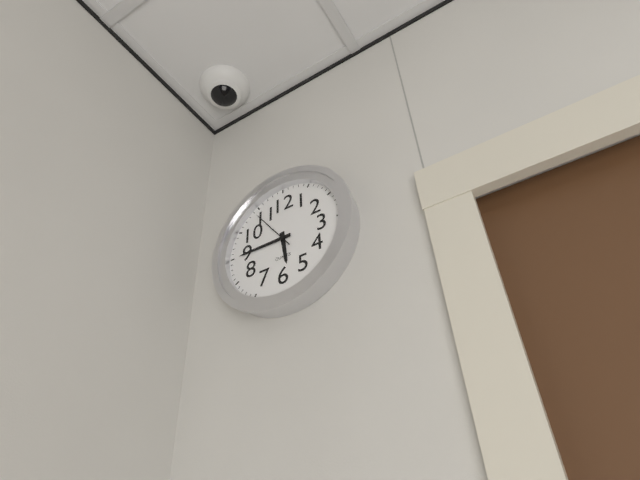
5.45
